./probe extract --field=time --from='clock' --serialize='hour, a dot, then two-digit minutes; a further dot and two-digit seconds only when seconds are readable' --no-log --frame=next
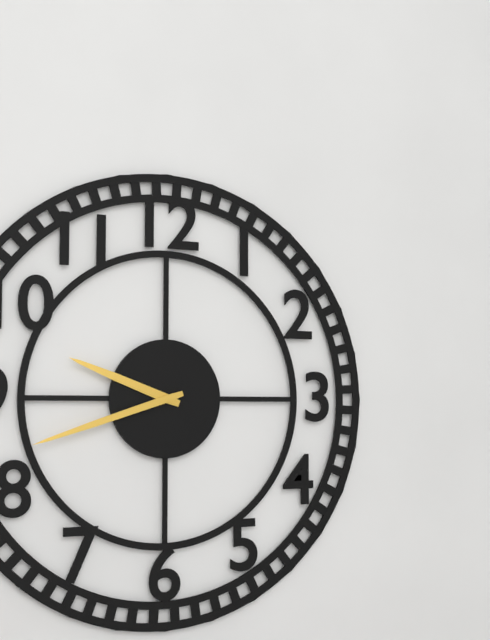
9.42
